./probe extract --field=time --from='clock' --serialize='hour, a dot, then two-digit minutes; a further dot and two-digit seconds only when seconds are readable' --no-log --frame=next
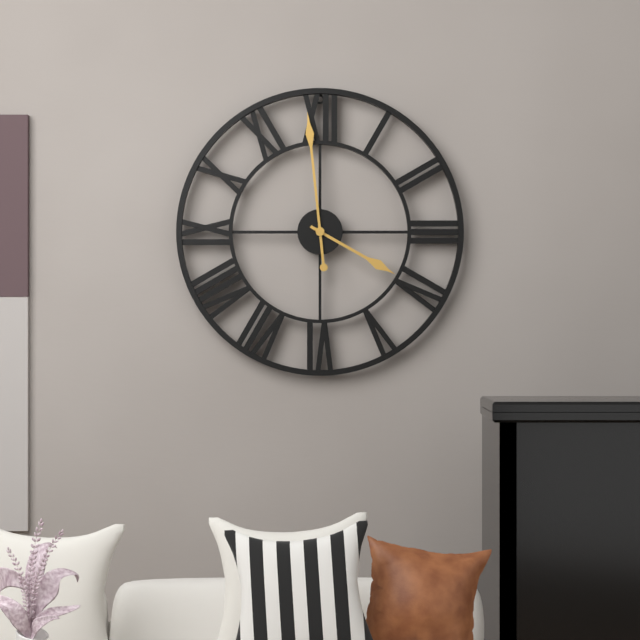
3.59
